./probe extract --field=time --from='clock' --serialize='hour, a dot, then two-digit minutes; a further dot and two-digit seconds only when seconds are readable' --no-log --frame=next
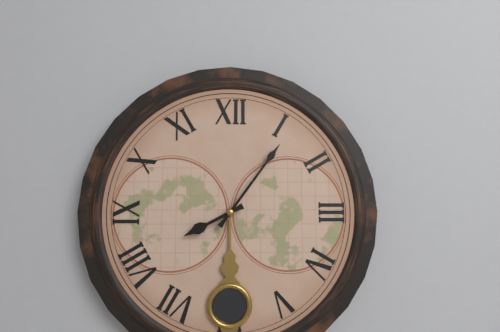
8.06
